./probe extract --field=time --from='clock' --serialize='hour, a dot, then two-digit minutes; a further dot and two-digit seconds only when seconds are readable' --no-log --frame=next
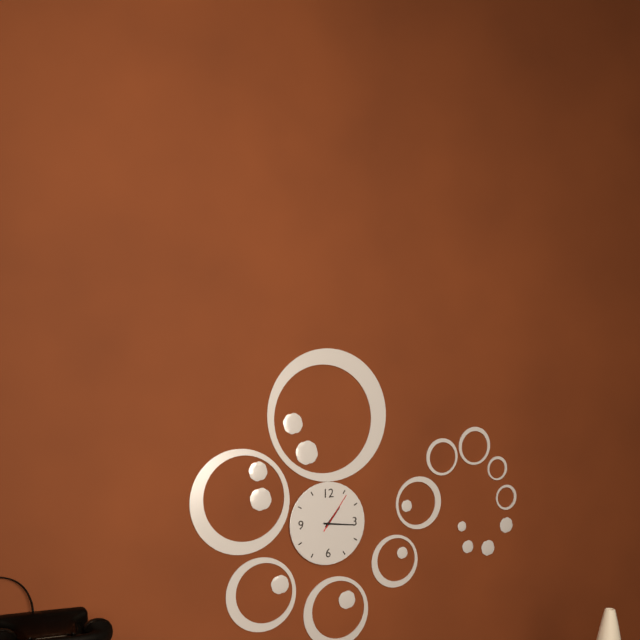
1.16
